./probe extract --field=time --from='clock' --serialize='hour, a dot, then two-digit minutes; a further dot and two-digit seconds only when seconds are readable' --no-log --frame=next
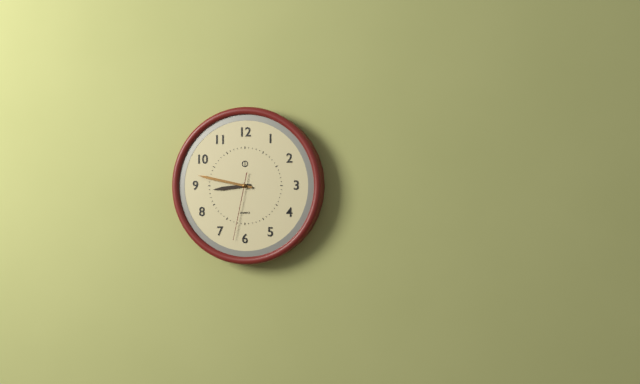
8.47.32
